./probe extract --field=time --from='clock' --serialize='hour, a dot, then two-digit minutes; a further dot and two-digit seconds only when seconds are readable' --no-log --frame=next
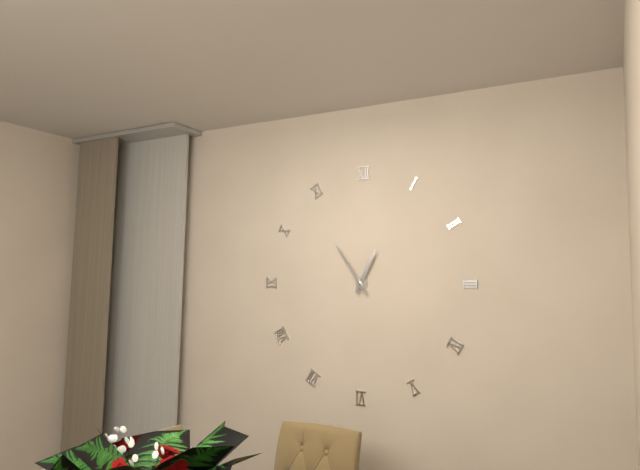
12.54
